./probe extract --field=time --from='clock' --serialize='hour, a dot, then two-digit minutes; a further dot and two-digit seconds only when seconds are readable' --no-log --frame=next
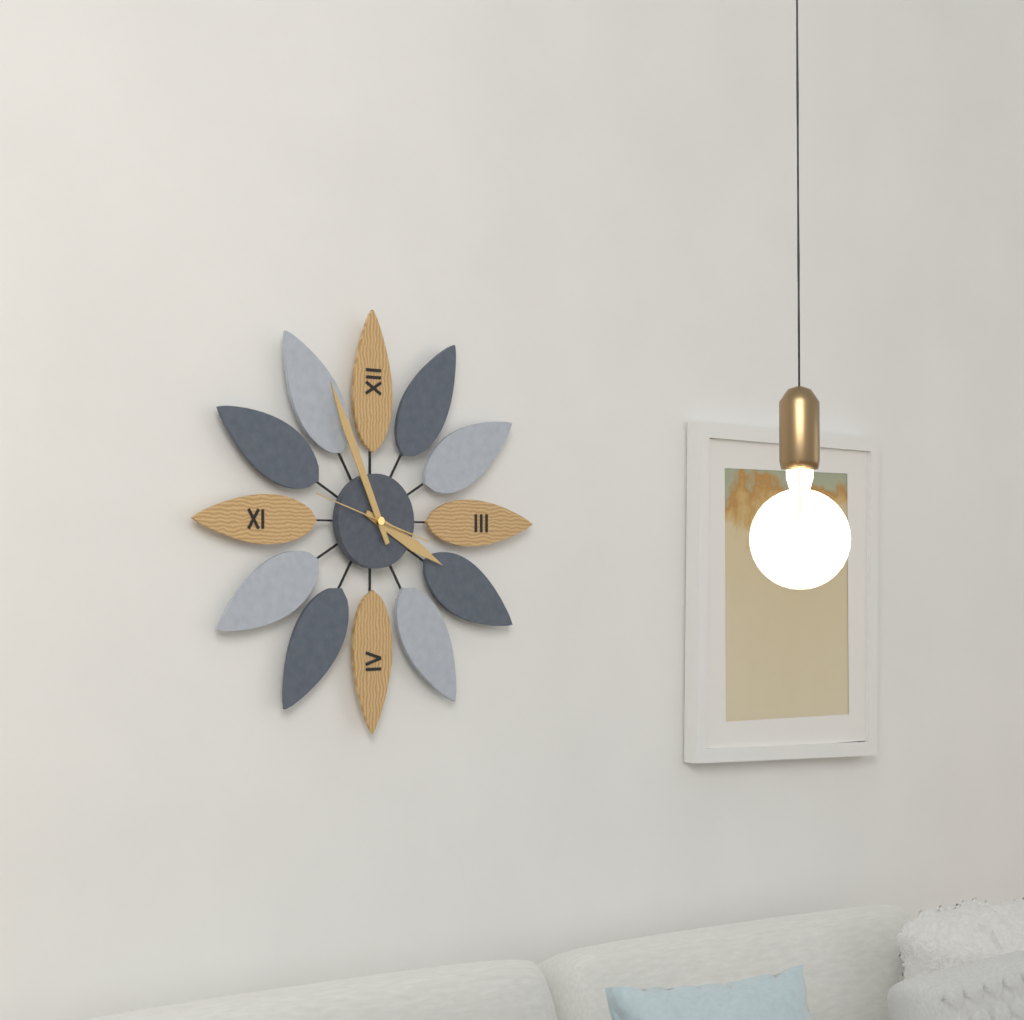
3.56.48
